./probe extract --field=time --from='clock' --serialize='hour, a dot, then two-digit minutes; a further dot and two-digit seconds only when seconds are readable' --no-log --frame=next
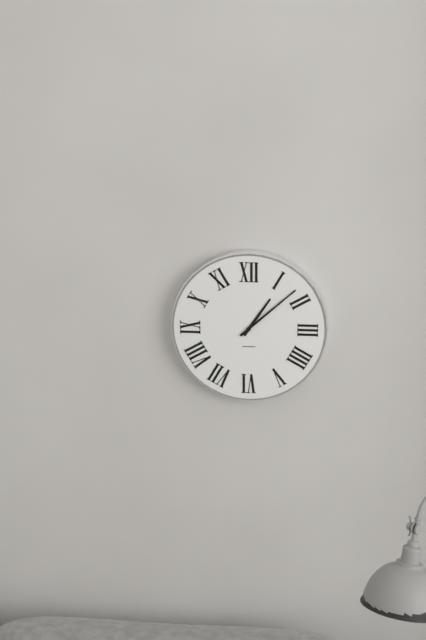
1.08
